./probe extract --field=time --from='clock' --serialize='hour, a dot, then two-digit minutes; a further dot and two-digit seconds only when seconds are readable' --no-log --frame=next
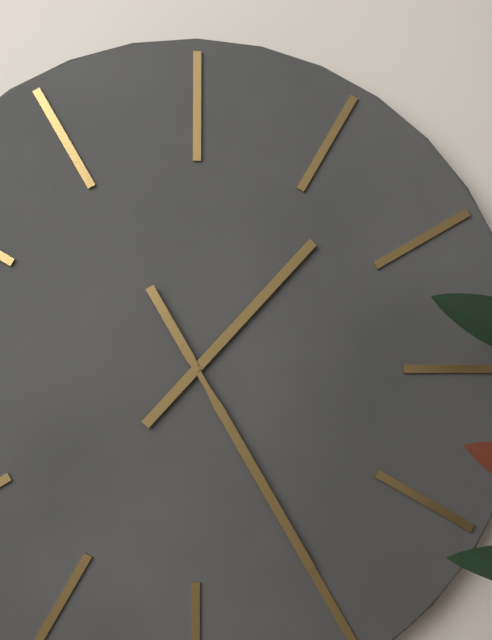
1.25
